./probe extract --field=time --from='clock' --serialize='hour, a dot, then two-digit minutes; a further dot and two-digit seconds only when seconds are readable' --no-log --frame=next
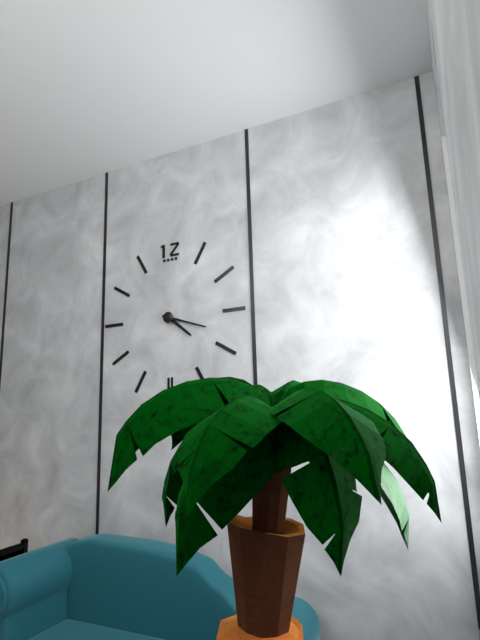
4.18
